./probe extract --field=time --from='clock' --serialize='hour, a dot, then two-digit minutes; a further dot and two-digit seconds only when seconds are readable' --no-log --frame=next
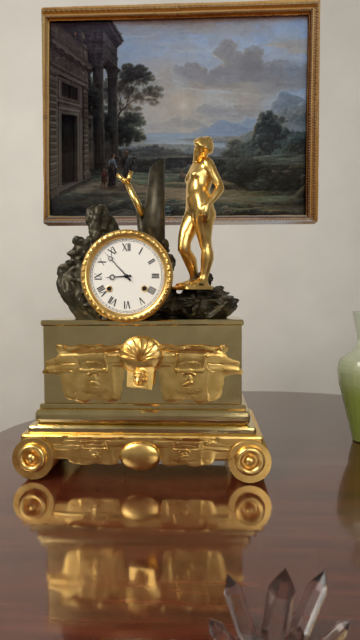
8.53
